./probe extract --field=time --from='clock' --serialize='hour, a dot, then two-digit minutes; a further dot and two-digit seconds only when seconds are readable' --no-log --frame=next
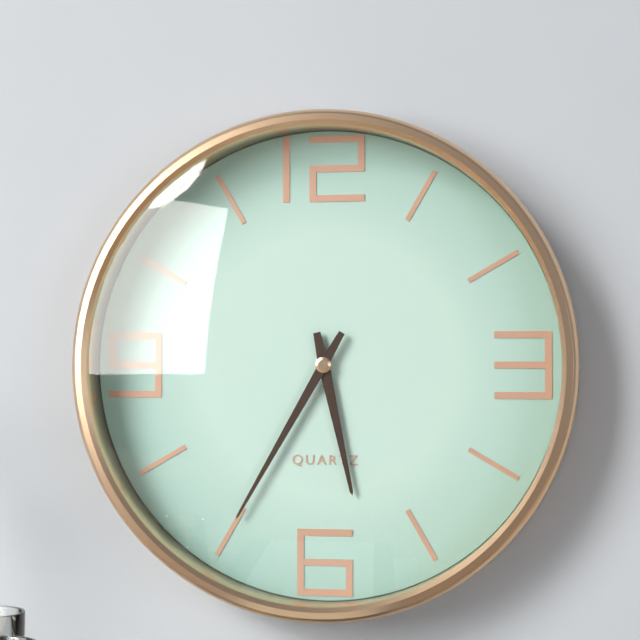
5.35
